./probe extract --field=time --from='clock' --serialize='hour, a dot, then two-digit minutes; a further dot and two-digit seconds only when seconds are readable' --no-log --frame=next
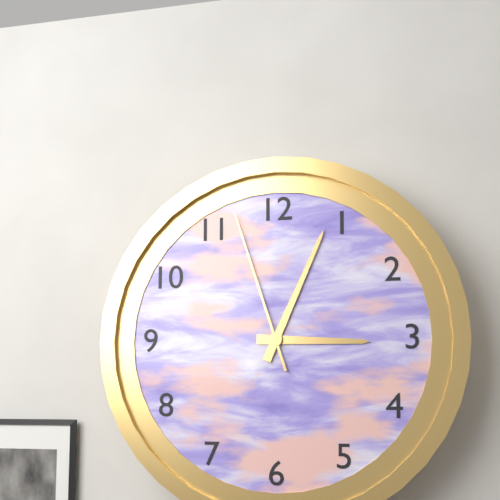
3.04.57
